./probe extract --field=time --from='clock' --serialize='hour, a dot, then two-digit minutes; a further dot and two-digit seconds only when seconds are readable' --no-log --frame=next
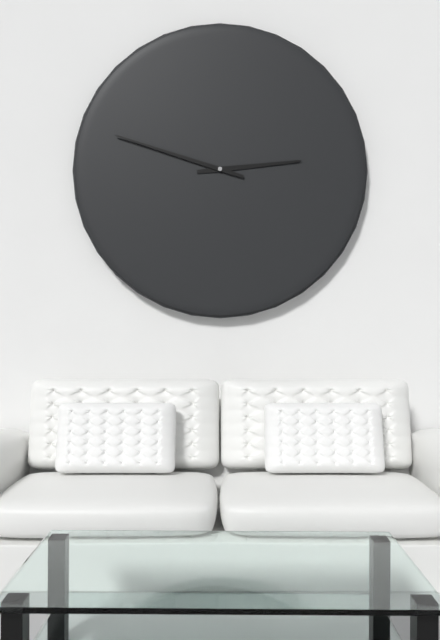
2.48
